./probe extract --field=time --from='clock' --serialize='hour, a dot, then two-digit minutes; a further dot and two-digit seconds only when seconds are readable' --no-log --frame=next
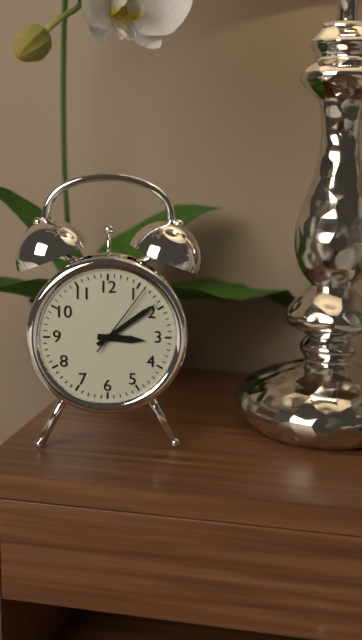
3.09.06
